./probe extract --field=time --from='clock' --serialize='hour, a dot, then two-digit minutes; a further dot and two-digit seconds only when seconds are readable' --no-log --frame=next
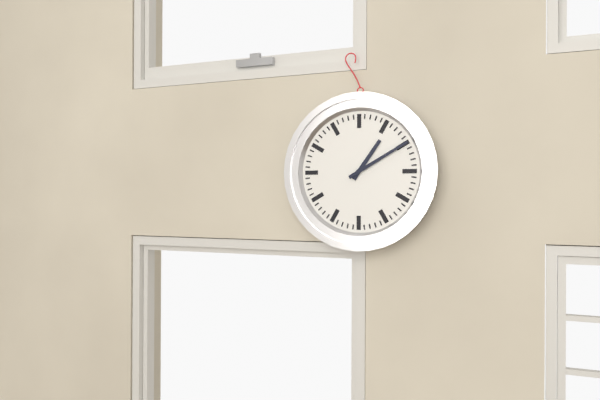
1.10
